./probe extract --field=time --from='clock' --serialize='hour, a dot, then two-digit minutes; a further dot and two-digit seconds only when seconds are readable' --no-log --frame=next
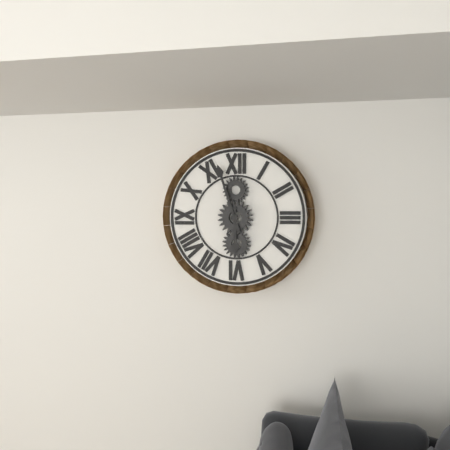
5.57
